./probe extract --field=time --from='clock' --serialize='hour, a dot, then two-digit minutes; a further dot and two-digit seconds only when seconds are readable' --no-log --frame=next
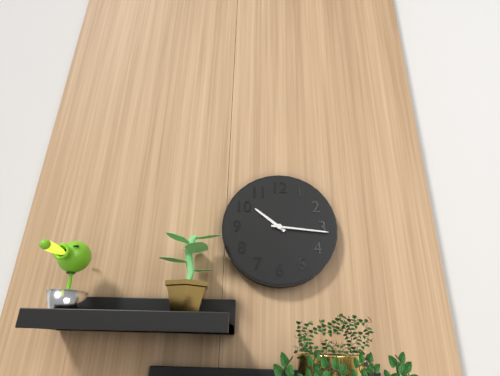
10.16
